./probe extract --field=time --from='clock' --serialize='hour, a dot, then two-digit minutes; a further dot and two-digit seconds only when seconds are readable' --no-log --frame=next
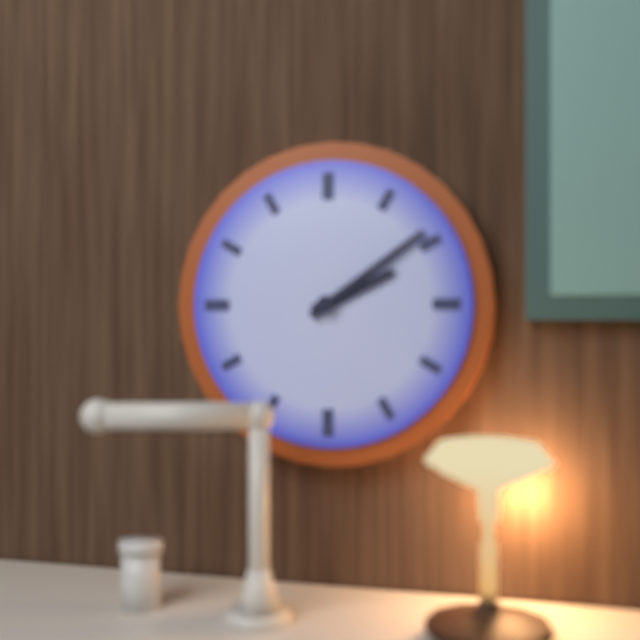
2.09
